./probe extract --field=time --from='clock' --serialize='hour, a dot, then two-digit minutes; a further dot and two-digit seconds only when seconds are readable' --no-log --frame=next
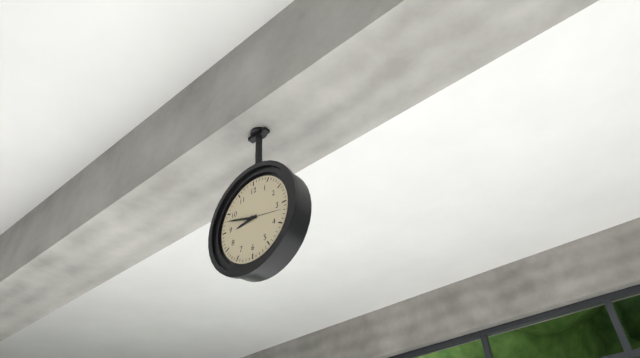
8.48
